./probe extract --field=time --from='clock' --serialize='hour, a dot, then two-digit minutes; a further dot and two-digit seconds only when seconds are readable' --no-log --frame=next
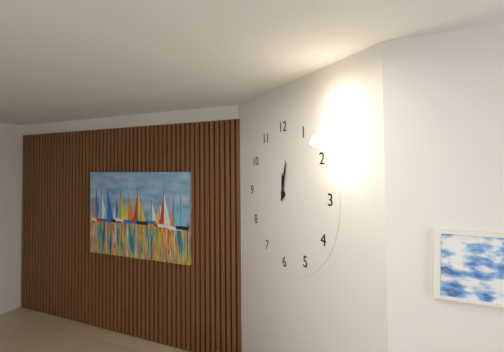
12.02
